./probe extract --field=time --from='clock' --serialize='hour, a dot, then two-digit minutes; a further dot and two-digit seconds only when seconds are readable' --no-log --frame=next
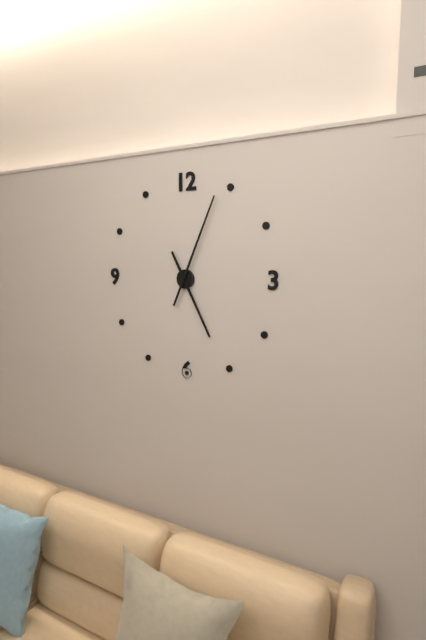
5.04
